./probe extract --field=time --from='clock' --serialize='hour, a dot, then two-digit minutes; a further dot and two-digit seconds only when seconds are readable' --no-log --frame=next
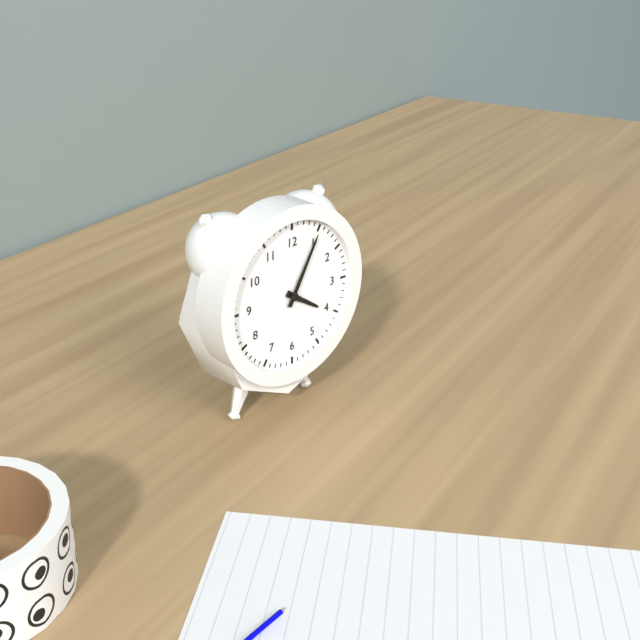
4.05
